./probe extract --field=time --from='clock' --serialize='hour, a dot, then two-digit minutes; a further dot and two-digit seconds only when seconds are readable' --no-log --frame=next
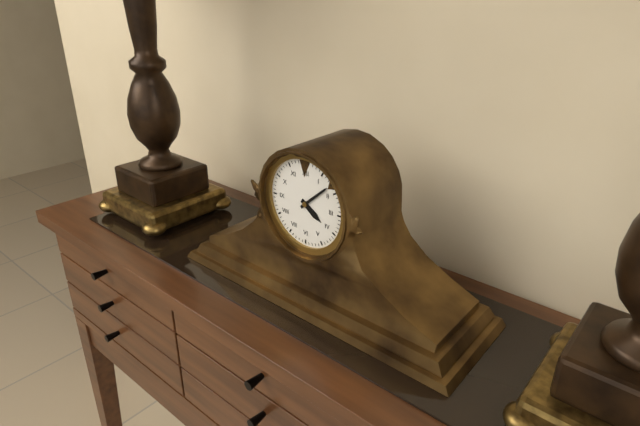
4.08
